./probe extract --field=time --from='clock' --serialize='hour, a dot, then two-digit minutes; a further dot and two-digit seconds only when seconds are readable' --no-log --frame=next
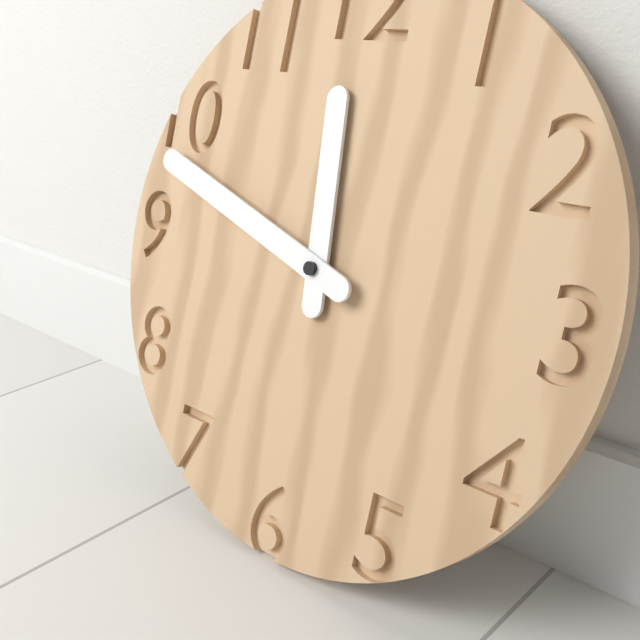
11.48
